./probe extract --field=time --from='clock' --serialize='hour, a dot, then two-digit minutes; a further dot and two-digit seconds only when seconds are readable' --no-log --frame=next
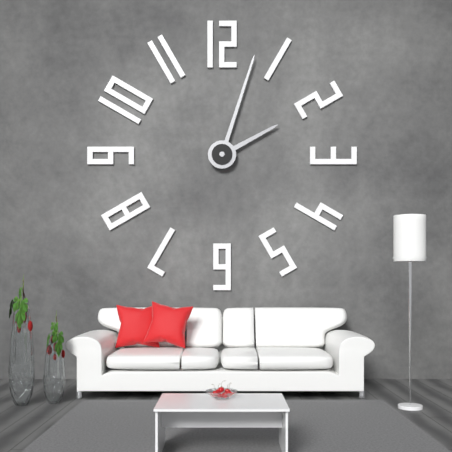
2.03
